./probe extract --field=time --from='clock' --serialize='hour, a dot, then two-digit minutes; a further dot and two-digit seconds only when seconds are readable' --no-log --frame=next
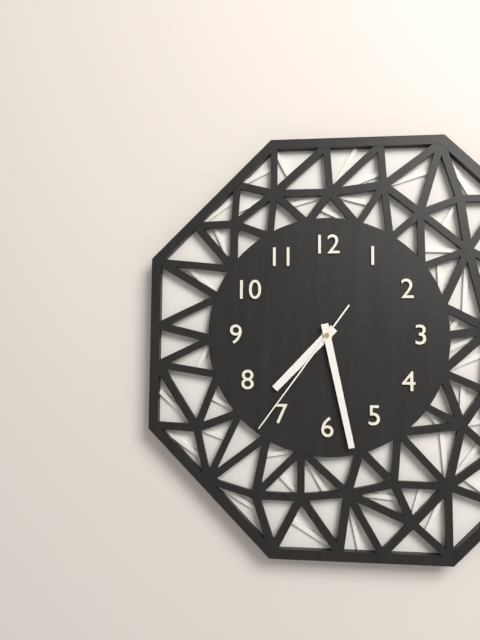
7.28.36
